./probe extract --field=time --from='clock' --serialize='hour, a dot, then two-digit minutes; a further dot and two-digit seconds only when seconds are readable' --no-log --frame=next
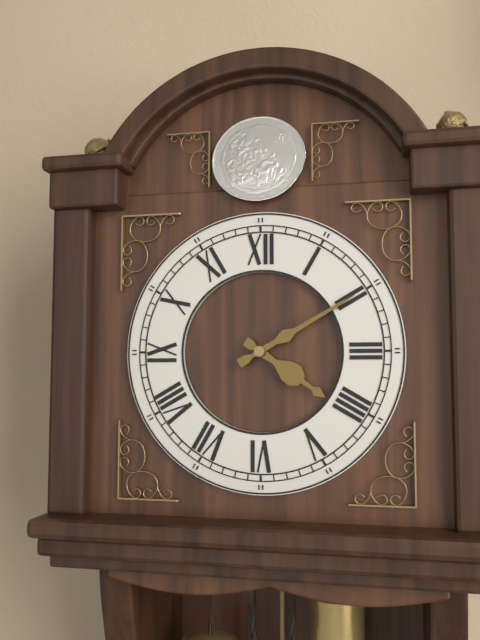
4.10
